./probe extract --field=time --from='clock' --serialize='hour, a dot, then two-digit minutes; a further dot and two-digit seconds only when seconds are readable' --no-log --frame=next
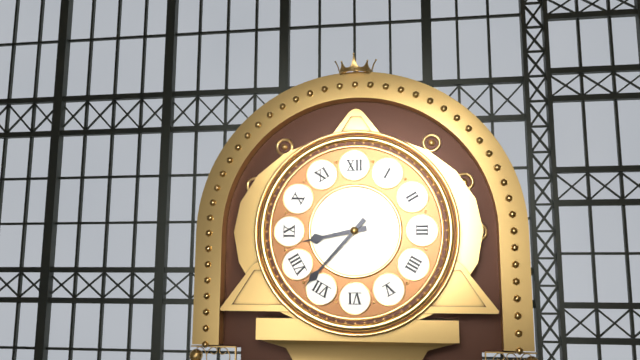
8.37
